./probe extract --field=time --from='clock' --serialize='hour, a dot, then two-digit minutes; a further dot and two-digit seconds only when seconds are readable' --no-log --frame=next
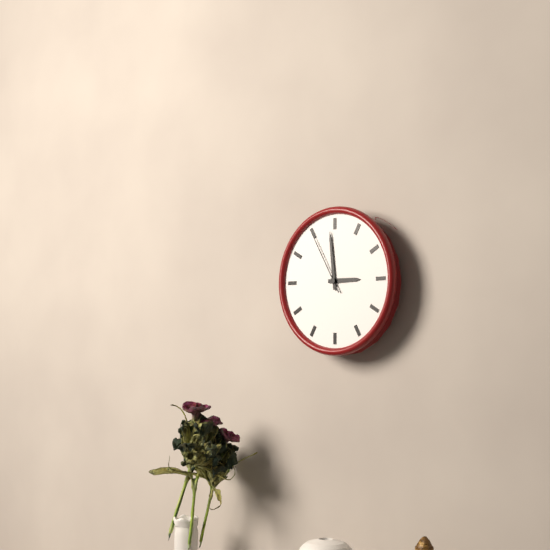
2.59.55
